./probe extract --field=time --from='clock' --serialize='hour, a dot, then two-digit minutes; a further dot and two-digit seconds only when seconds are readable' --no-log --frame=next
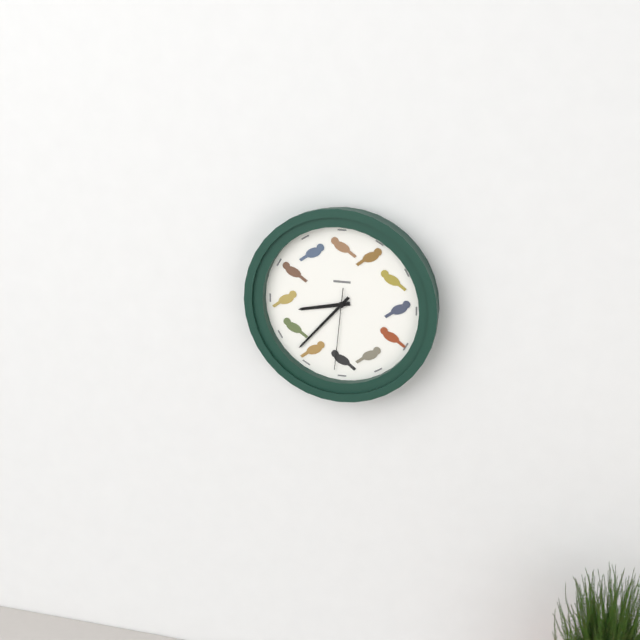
8.37.31
